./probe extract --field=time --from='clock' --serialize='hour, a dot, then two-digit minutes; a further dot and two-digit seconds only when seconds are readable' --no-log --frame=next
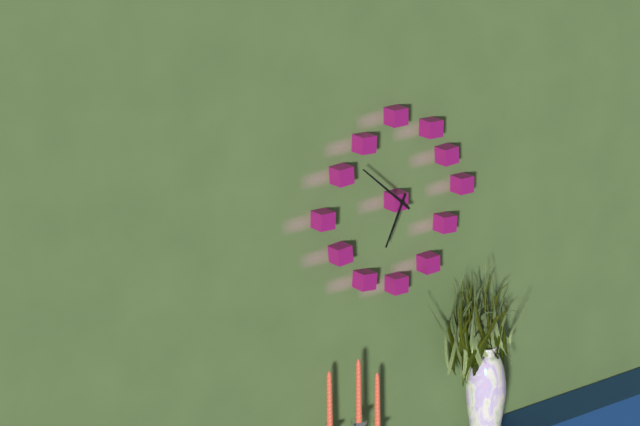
6.52
